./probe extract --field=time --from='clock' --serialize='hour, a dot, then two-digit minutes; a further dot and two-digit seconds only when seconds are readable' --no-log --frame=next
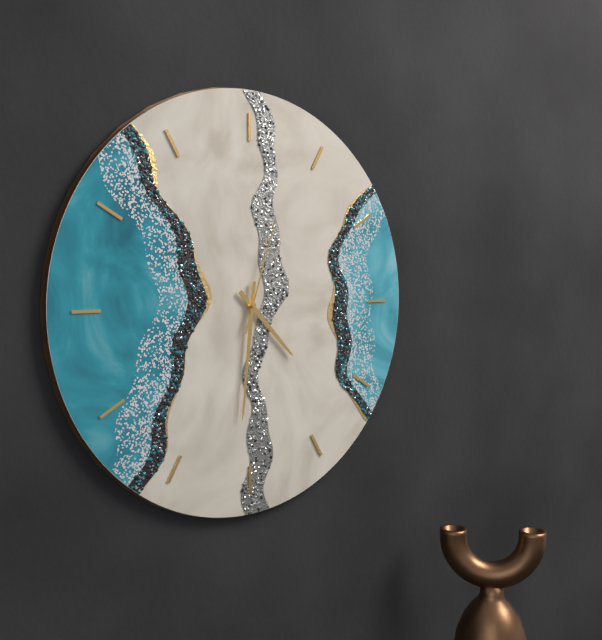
4.31.03
